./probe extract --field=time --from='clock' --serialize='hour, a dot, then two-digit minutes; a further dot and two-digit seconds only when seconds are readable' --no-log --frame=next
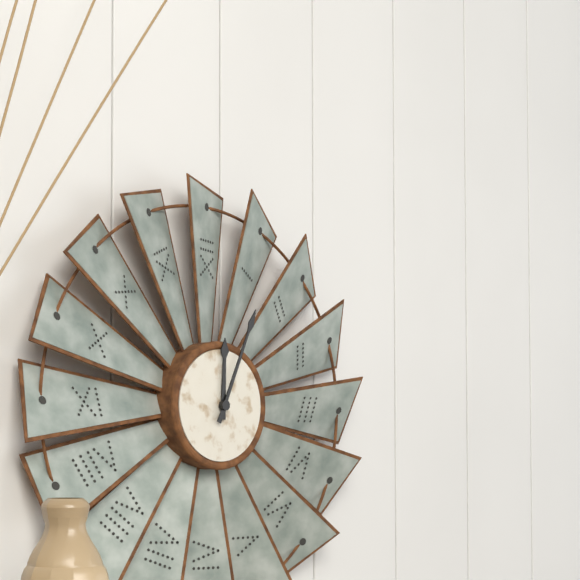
12.04
